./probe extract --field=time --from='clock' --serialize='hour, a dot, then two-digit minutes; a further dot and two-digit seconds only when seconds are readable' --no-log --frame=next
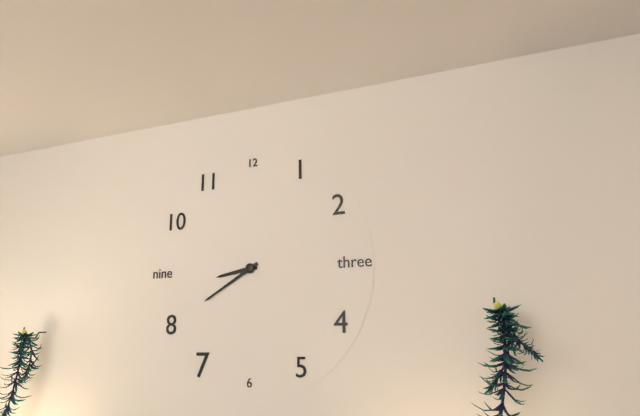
8.40
